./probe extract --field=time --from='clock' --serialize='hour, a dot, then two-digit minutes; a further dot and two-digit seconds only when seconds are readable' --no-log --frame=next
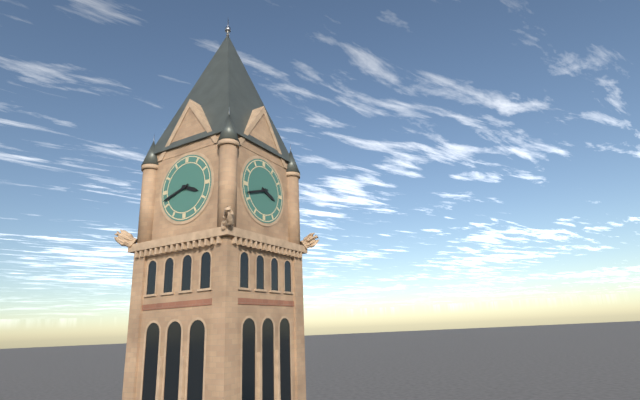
3.42
